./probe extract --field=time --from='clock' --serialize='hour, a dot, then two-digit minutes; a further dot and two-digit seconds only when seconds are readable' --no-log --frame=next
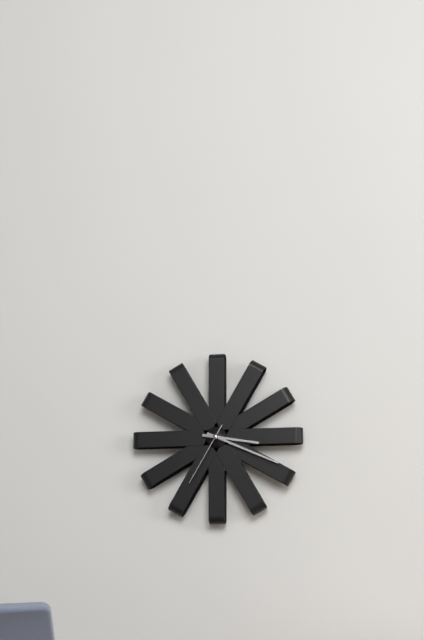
3.19.35
